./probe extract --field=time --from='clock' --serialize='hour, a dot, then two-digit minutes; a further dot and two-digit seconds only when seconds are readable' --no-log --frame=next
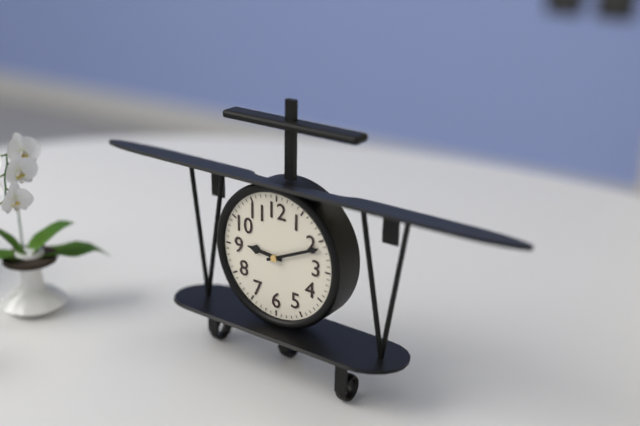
9.11
